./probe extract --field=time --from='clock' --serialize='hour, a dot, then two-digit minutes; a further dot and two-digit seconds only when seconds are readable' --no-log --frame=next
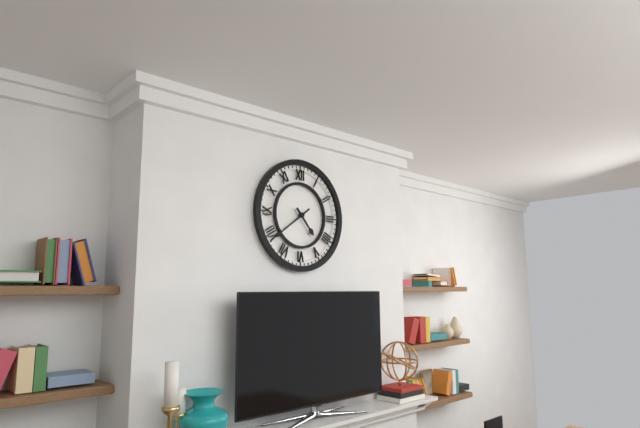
4.39
